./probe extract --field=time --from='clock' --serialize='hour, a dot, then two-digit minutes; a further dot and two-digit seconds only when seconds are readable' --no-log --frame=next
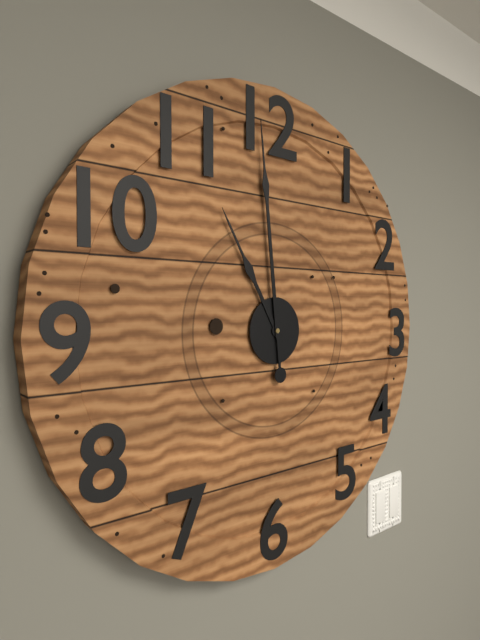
10.59
